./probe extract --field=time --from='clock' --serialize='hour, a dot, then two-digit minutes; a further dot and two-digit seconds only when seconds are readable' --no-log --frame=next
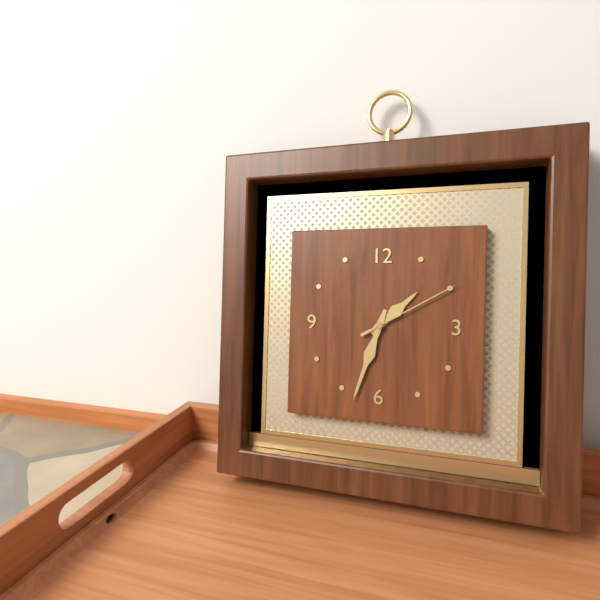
1.33.10
